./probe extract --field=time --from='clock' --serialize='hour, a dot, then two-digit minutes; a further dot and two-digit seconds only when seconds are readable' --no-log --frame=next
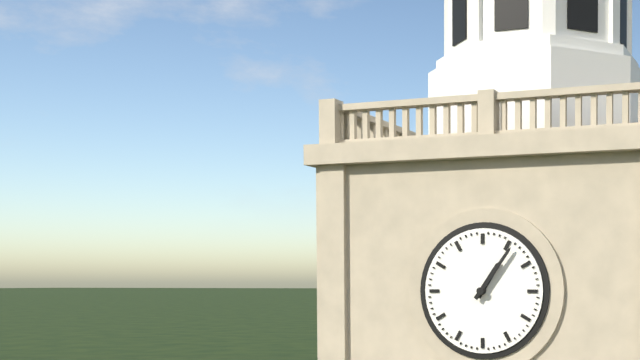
1.06
